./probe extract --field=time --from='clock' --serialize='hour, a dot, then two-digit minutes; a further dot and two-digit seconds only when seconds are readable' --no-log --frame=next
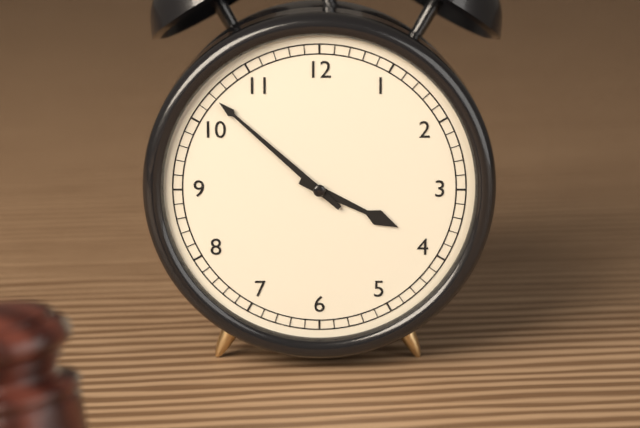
3.52
